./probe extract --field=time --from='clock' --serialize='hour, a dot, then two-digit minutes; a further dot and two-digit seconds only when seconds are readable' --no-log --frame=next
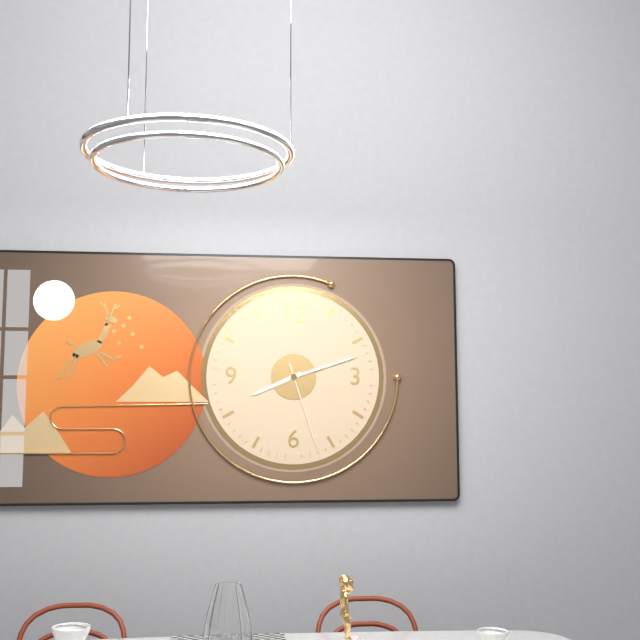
8.12.27
